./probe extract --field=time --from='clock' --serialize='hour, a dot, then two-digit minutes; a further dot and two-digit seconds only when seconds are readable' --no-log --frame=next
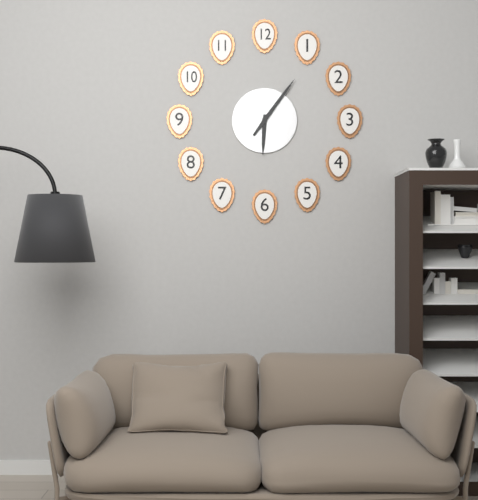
6.06
